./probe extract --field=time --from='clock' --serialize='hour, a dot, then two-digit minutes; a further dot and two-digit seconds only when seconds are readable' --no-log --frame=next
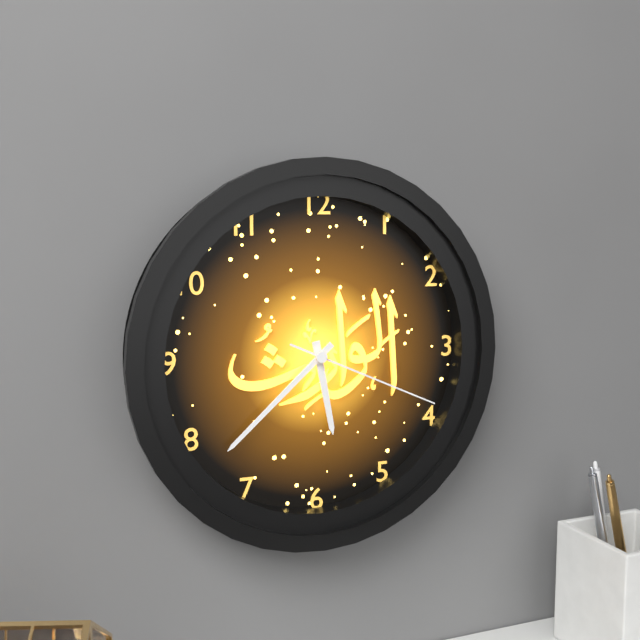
5.38.19
